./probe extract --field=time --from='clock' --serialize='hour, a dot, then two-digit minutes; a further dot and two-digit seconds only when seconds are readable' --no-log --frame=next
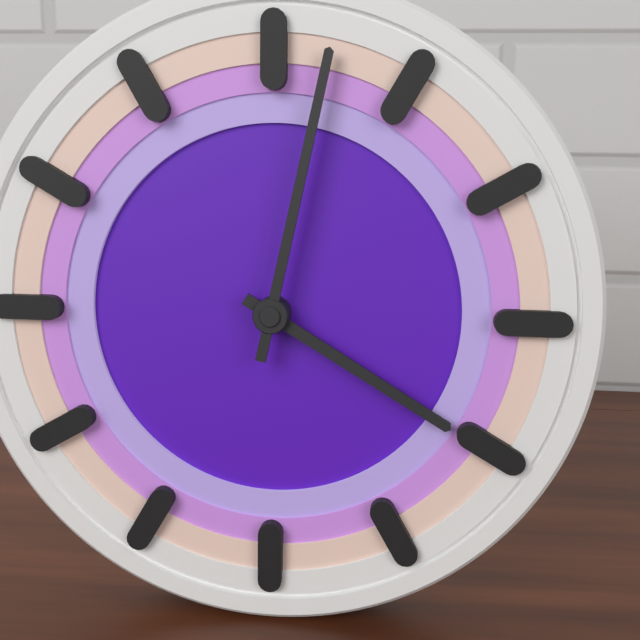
4.02
